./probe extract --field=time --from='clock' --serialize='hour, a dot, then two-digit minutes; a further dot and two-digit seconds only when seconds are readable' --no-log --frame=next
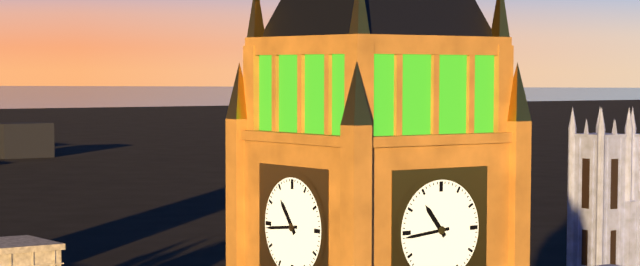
10.44
